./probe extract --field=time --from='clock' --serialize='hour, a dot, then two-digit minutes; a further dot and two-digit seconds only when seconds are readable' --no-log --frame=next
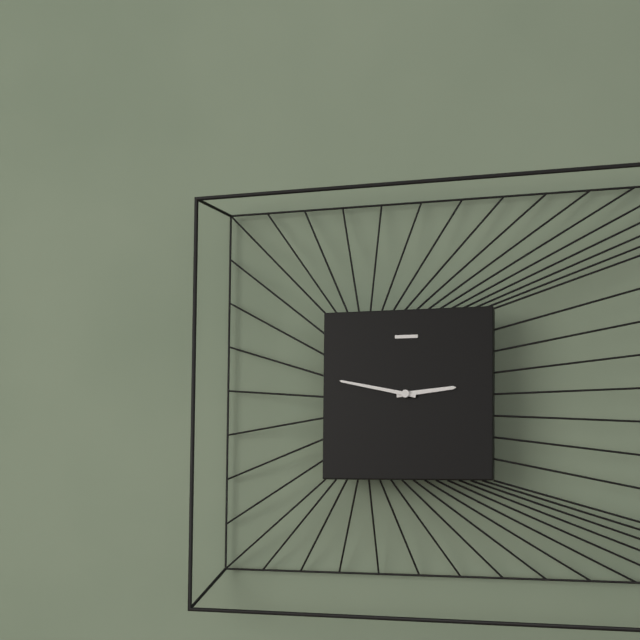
2.47
